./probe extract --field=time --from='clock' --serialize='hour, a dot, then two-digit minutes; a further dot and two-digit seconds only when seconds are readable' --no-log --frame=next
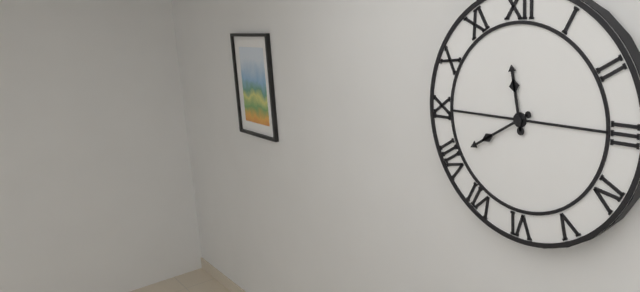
11.40
